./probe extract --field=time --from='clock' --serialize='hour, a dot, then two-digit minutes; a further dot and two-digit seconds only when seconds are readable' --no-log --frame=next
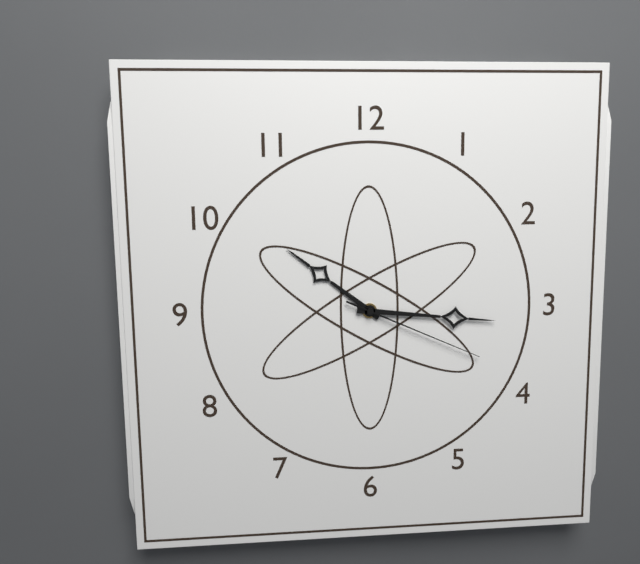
10.16.19
